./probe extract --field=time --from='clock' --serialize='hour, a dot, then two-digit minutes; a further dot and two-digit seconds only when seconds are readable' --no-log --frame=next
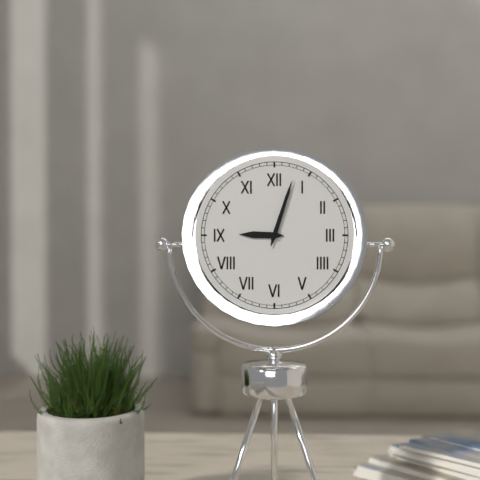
9.03
